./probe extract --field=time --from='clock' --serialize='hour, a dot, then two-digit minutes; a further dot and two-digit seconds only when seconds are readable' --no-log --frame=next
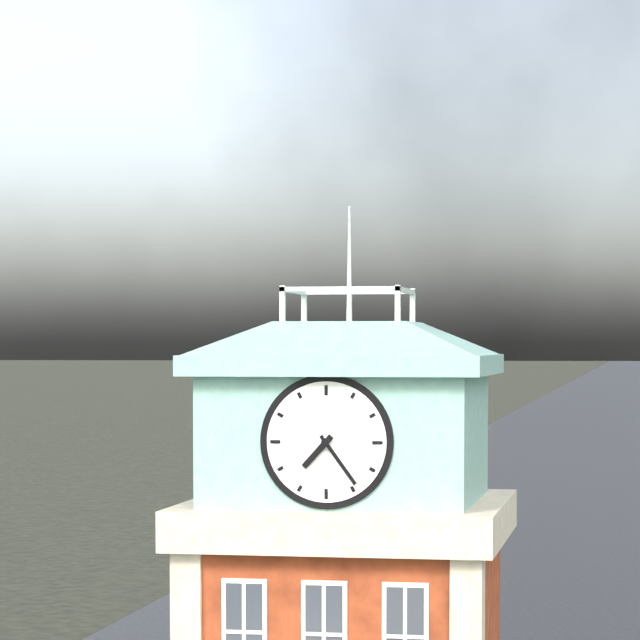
7.24
